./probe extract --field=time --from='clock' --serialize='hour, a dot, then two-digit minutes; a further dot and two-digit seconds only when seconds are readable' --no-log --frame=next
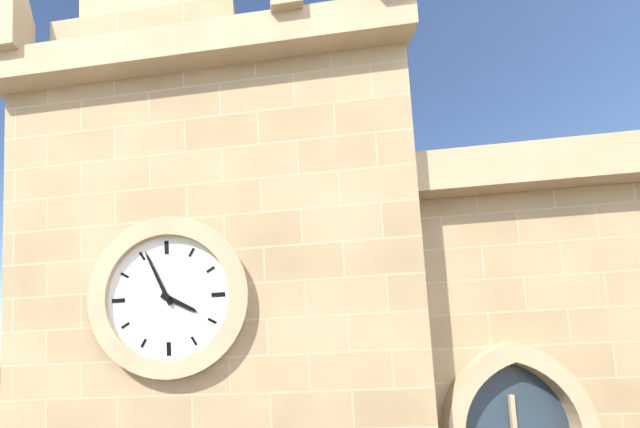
3.56
